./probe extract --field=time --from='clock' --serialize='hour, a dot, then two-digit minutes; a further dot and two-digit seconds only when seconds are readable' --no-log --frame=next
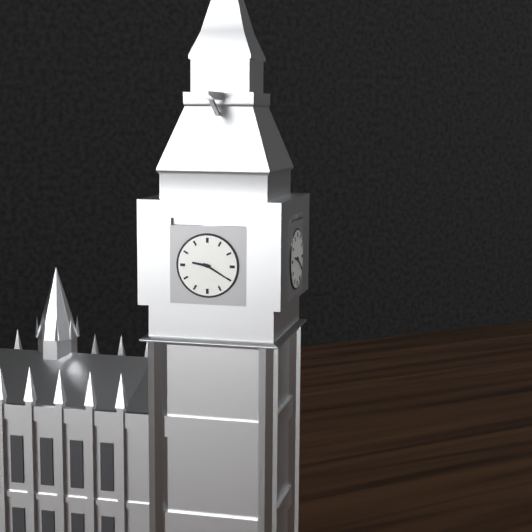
9.20
